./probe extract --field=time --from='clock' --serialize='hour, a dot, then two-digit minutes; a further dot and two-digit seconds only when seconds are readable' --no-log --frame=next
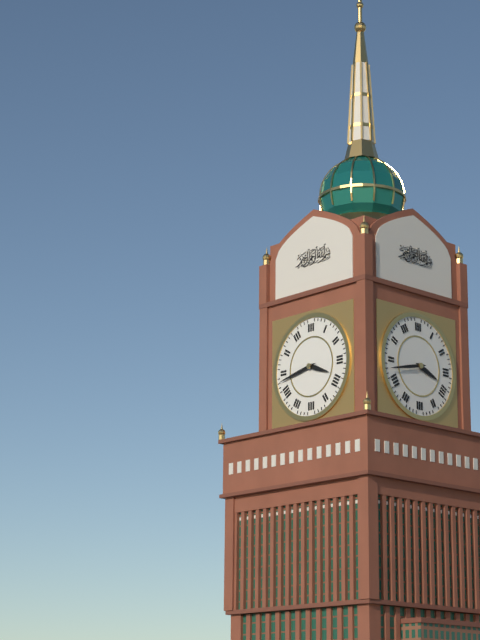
3.43
